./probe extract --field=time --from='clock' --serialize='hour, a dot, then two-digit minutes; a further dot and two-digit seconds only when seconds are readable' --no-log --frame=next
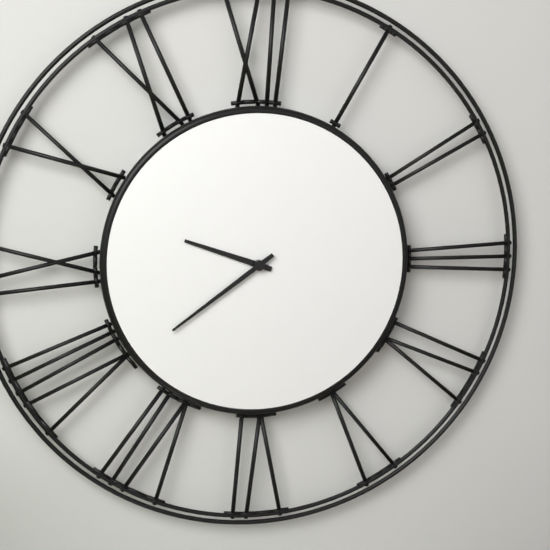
9.39
